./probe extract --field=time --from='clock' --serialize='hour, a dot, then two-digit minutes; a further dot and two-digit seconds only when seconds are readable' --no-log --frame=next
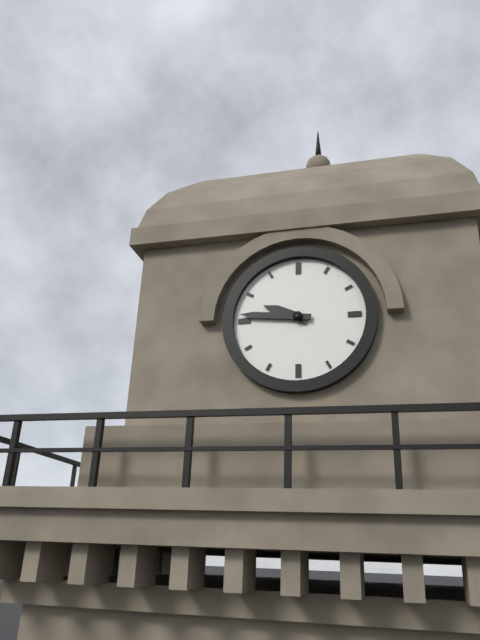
9.46
